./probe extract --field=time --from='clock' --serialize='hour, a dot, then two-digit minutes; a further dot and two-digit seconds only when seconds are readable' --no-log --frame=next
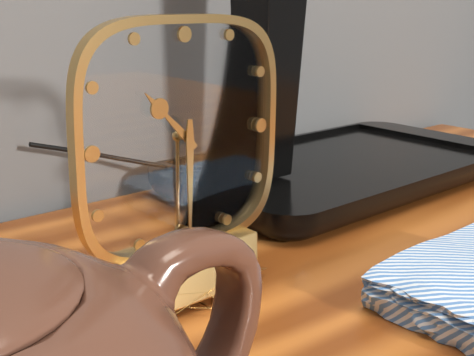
10.30
